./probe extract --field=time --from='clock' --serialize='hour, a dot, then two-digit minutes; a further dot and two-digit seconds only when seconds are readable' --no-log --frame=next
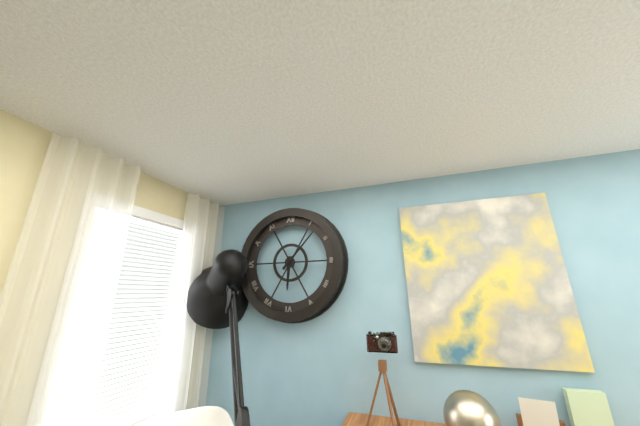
6.07
